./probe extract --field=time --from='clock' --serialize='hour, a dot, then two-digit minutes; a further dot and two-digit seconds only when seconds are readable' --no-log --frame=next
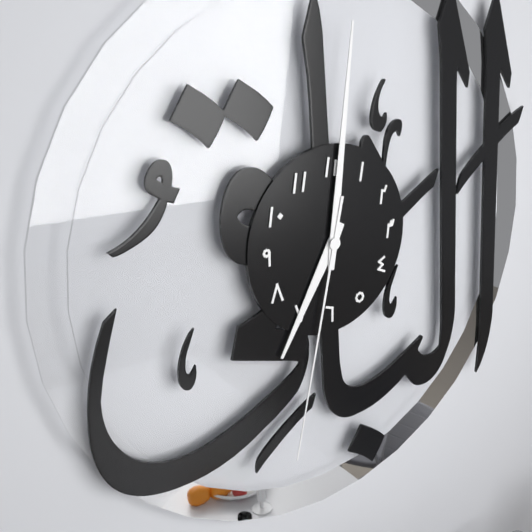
7.01.32
